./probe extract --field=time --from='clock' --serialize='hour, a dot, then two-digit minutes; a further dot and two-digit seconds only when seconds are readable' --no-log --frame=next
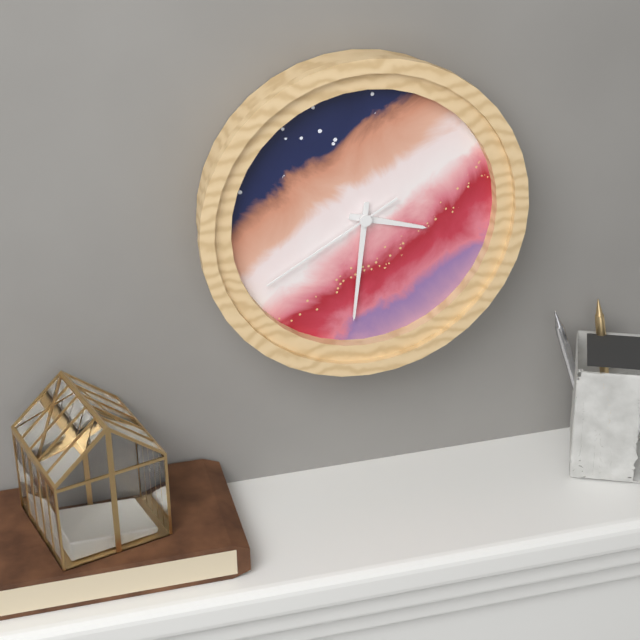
3.31.40
